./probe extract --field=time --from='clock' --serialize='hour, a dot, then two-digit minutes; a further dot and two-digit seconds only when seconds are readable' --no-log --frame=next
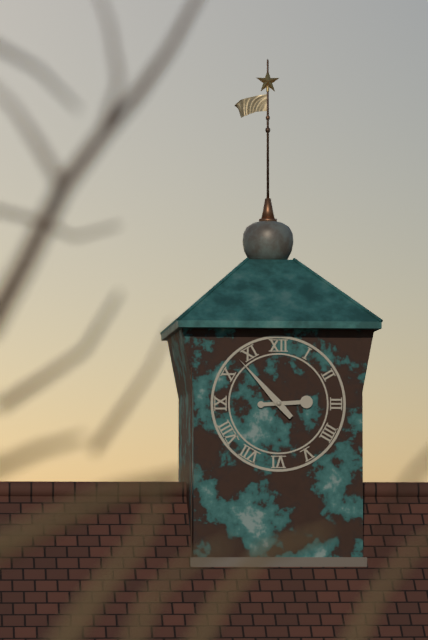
2.53
